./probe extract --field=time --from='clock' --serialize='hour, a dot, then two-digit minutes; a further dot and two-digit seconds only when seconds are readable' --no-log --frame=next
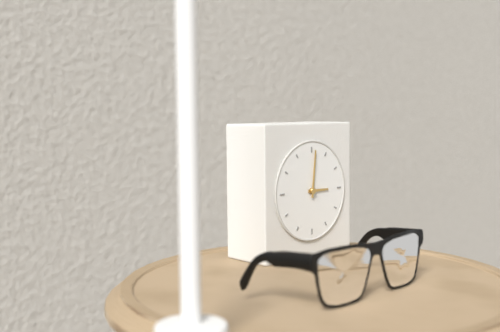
3.01
